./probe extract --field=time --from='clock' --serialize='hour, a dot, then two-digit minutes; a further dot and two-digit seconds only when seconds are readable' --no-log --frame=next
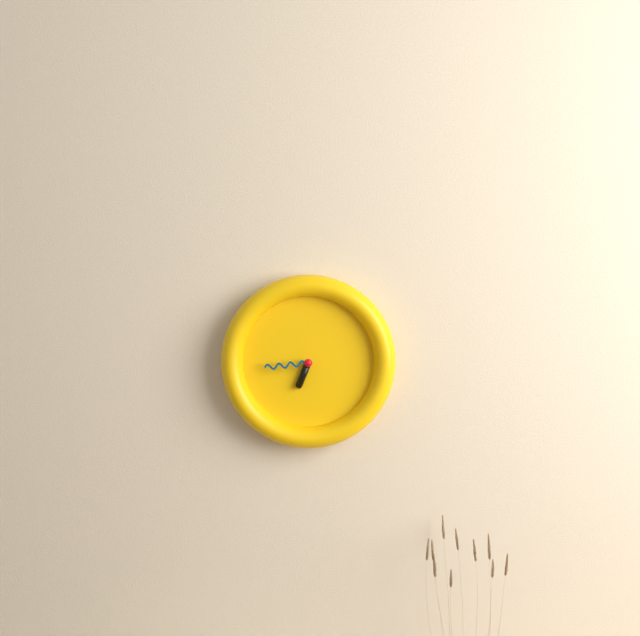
6.44
